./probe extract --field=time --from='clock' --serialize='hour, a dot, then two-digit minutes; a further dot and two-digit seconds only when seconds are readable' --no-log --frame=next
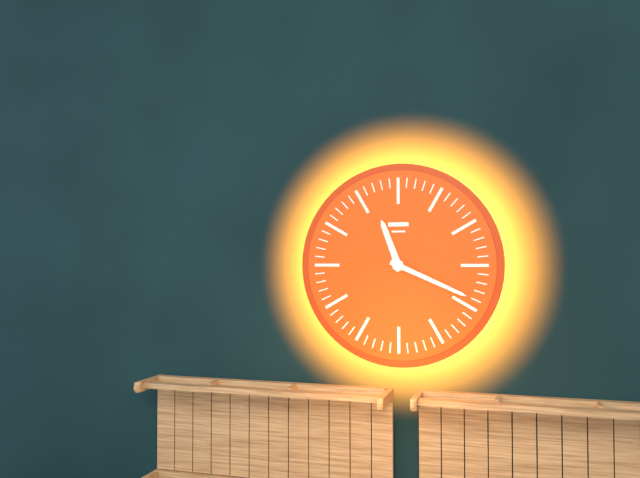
11.19
